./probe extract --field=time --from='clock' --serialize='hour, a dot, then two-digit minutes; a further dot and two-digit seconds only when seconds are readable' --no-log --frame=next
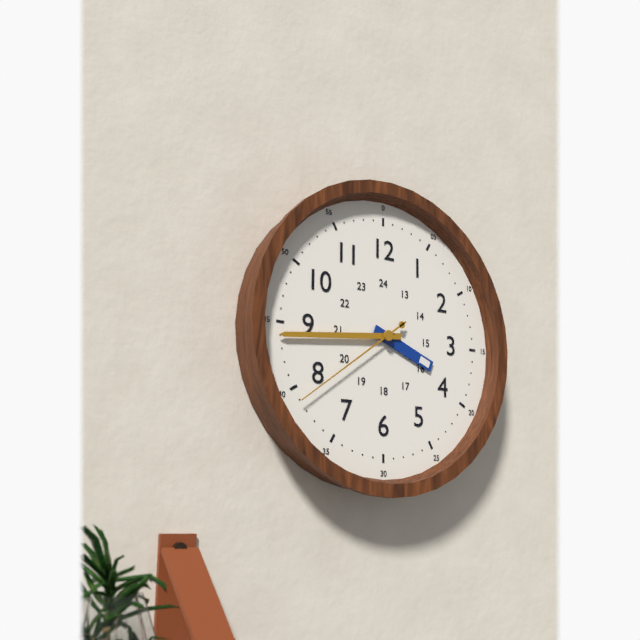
3.44.39
